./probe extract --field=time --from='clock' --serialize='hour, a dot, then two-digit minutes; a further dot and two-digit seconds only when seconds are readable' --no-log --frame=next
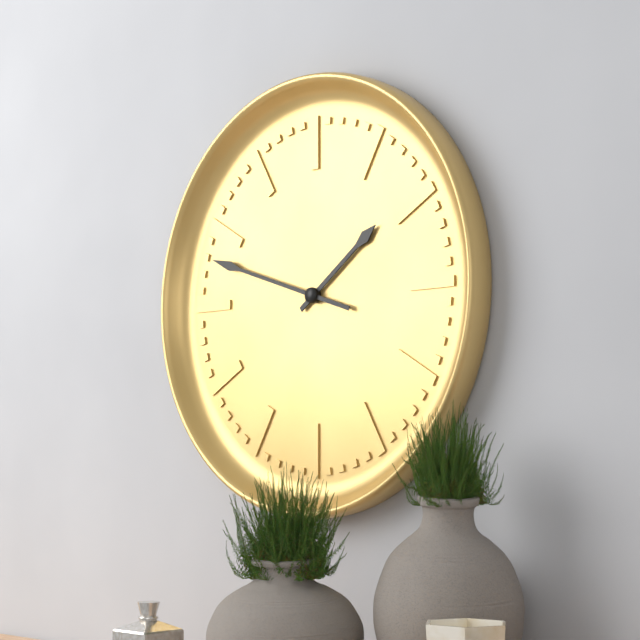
1.48
